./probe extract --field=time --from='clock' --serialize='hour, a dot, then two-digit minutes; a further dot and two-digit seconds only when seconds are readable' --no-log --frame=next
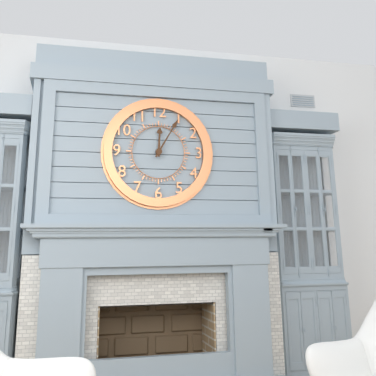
12.05
